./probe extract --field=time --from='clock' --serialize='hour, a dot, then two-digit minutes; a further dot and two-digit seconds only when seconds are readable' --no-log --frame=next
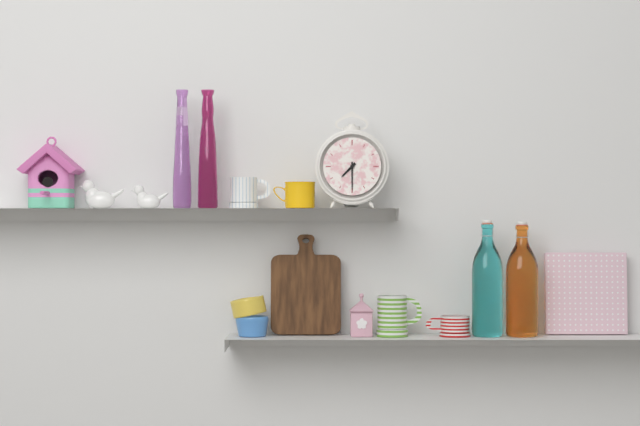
7.30
